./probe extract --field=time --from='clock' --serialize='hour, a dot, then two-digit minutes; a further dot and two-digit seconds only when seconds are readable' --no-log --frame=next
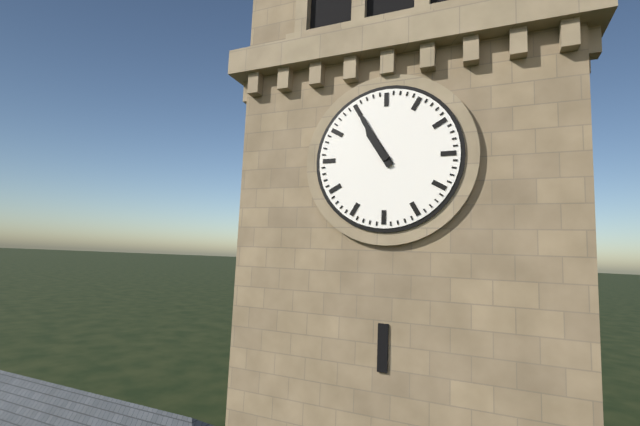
10.55
